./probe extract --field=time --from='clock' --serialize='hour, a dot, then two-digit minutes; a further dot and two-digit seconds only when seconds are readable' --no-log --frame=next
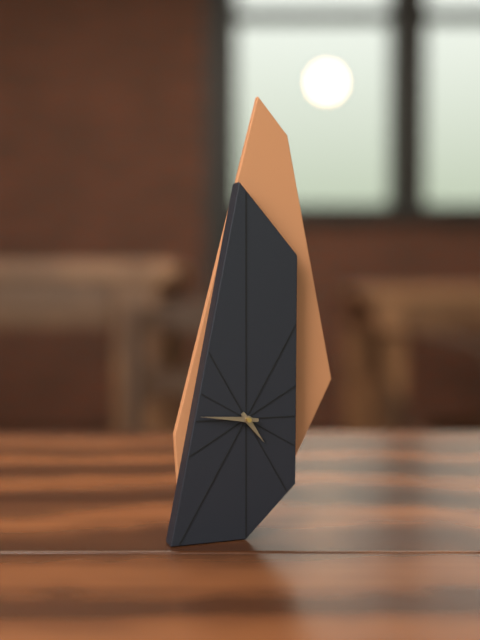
4.46
